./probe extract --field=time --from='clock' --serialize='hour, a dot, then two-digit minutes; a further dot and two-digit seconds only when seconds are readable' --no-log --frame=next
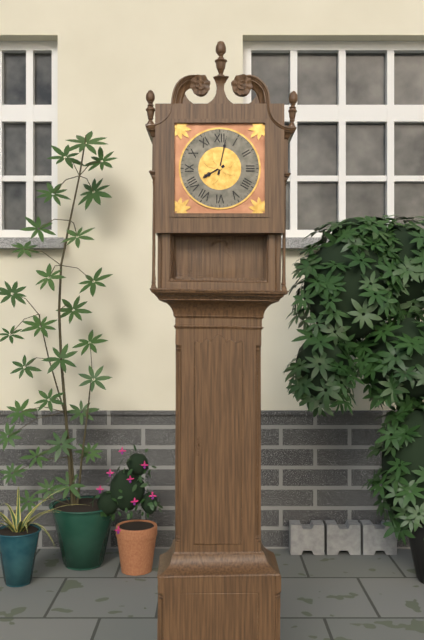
8.02
